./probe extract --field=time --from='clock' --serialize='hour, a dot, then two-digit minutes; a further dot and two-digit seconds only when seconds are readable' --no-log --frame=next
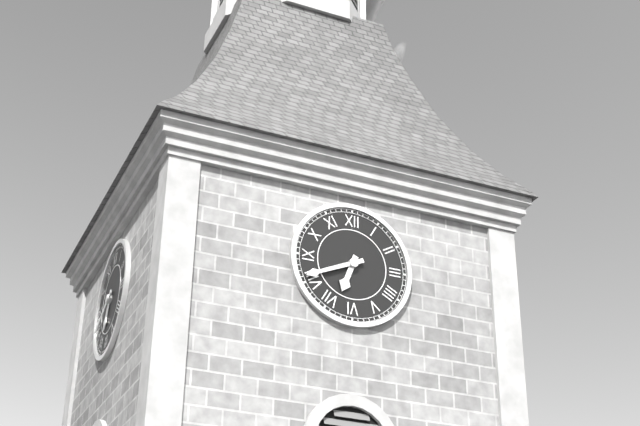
6.41
